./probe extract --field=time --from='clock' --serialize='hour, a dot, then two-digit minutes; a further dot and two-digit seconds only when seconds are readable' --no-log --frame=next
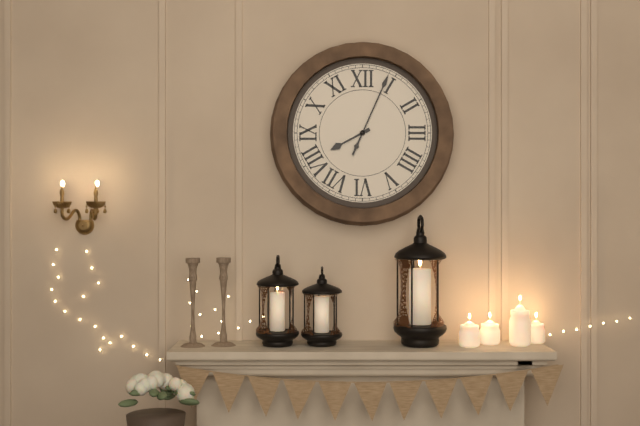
8.04
